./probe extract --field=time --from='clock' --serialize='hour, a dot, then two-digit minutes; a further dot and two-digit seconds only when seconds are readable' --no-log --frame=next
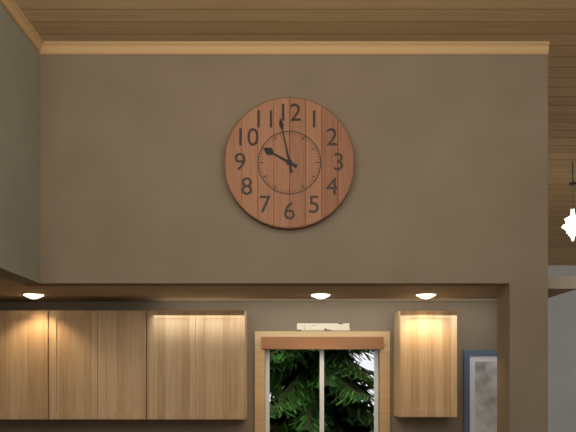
9.58
